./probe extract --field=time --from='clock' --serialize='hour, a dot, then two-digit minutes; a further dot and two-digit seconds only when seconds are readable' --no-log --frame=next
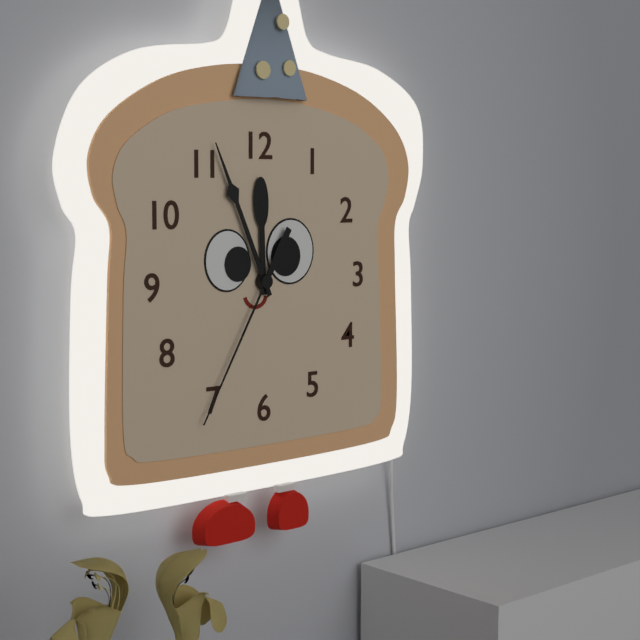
11.56.35
